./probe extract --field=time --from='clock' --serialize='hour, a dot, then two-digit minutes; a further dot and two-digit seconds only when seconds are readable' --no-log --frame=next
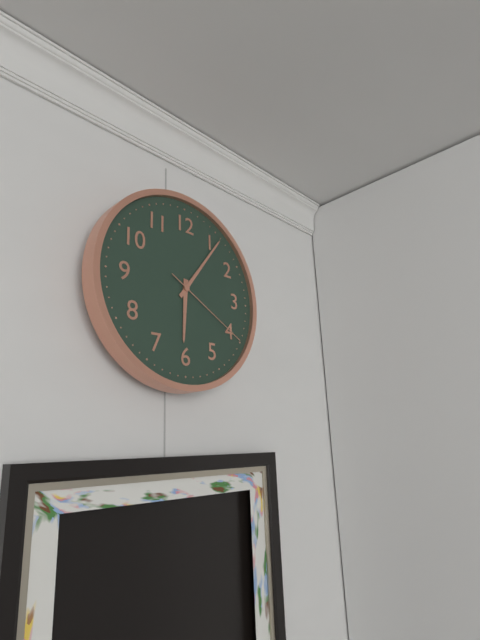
6.06.20
